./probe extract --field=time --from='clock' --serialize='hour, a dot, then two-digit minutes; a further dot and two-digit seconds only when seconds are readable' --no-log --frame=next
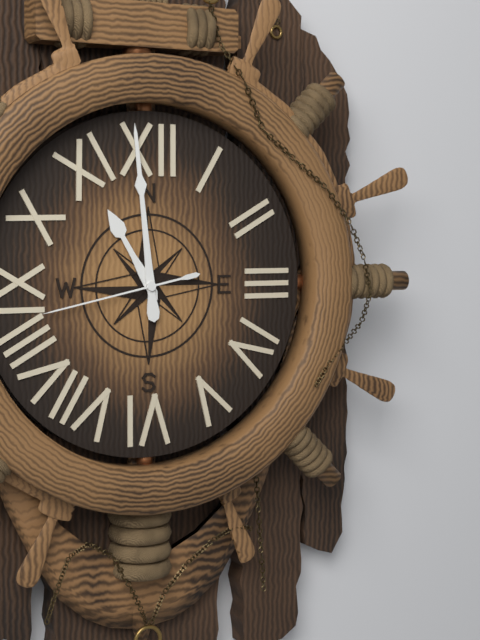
10.59.43
